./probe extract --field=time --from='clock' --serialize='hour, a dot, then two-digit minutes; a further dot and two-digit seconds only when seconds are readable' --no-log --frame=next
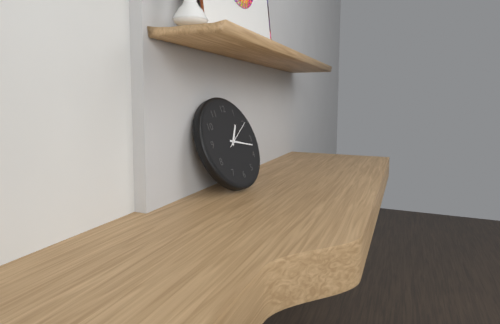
1.17
